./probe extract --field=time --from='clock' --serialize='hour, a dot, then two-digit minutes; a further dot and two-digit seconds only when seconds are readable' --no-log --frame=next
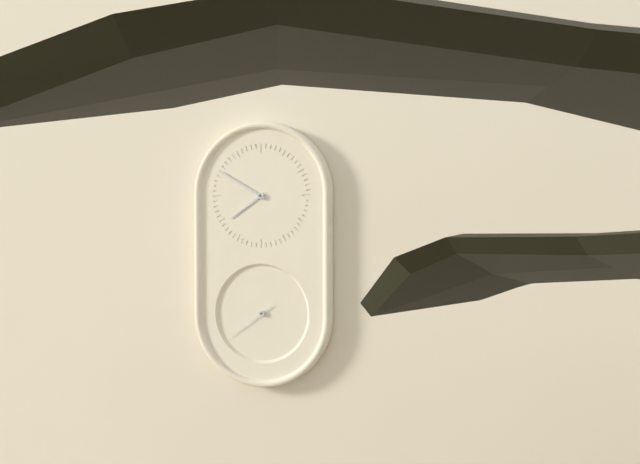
7.50
